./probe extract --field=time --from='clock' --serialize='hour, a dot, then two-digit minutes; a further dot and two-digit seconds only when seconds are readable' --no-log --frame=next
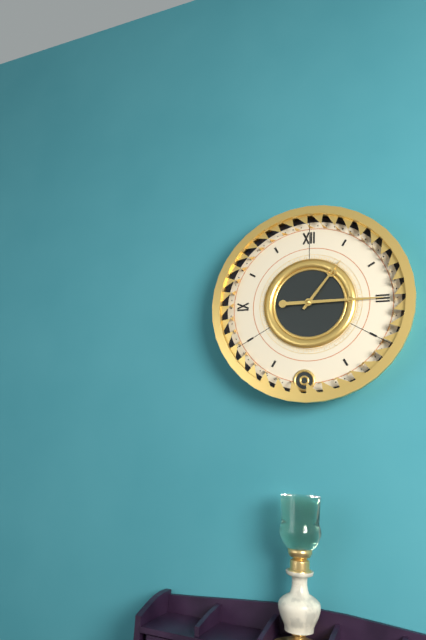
1.15
